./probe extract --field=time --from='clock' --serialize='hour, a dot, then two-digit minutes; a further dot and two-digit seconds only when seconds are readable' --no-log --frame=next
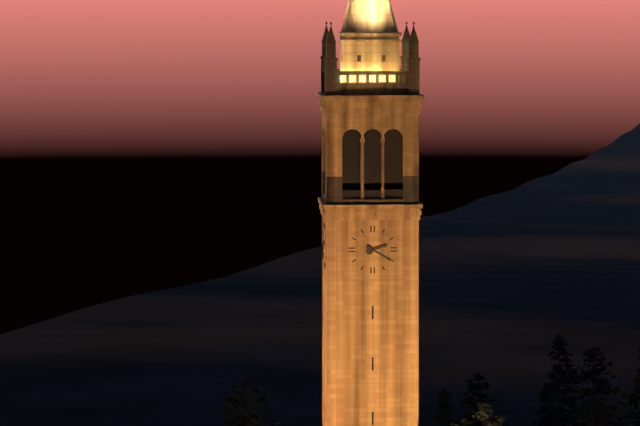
2.20
